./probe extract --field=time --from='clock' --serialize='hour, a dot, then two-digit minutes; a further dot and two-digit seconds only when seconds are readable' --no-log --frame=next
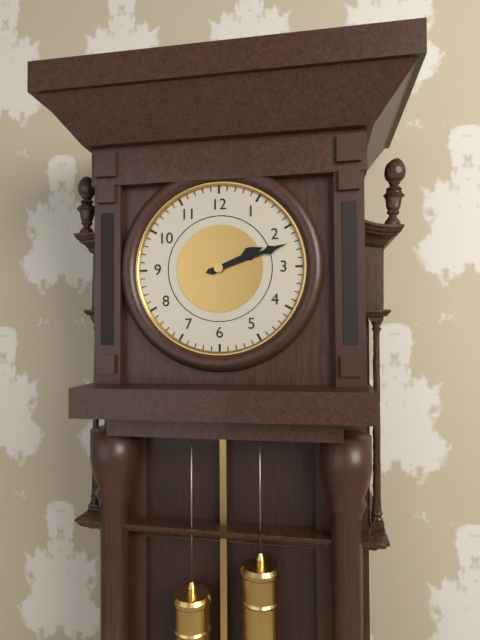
2.12
